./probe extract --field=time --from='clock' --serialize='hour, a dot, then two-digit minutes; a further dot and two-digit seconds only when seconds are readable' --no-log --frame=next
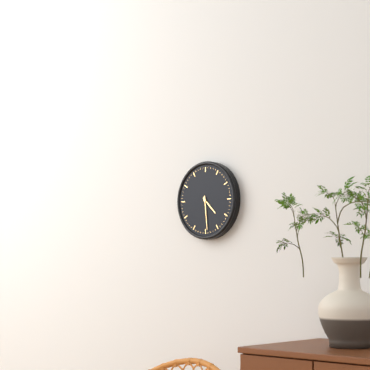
4.29
